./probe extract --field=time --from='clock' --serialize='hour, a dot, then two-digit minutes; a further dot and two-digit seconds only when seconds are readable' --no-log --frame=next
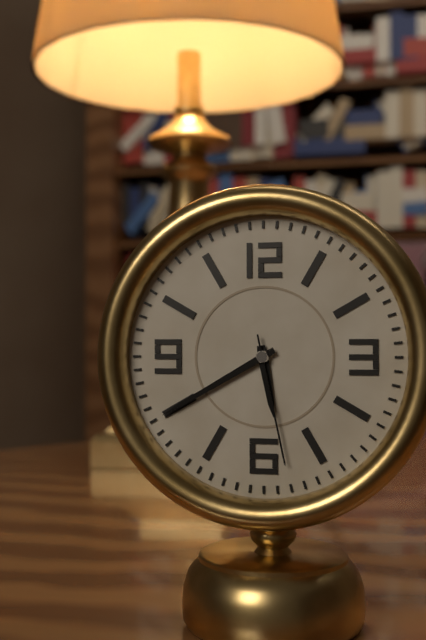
5.40.28
